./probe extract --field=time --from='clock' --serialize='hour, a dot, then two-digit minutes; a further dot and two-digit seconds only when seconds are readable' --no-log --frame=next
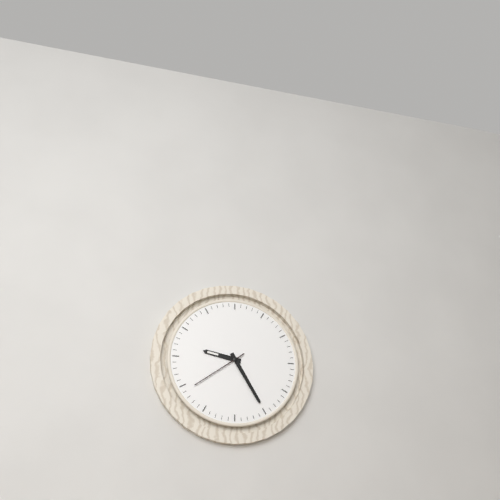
9.25.39
